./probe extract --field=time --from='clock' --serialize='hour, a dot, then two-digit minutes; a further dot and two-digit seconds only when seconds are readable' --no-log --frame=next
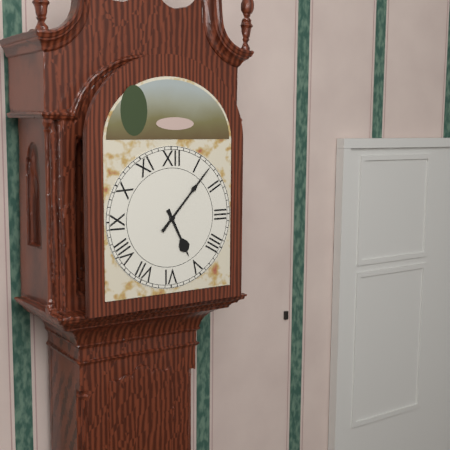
5.07
